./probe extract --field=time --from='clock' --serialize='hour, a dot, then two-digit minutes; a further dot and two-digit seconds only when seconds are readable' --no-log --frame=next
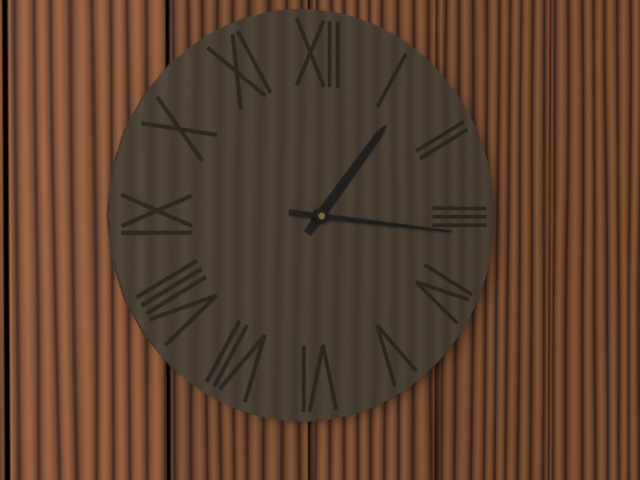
1.16
